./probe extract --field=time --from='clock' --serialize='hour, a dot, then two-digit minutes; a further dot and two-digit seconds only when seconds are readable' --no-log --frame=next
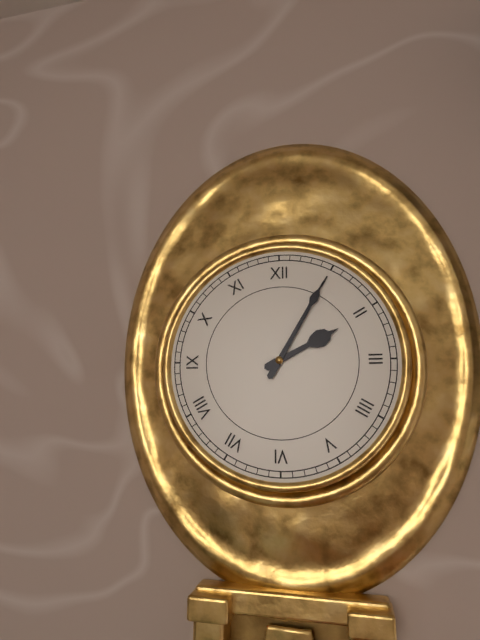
2.05
